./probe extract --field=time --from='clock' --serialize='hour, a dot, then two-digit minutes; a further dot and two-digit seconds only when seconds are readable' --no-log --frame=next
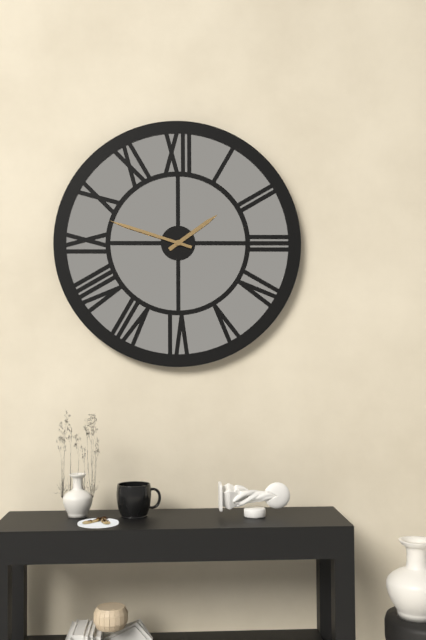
1.48
